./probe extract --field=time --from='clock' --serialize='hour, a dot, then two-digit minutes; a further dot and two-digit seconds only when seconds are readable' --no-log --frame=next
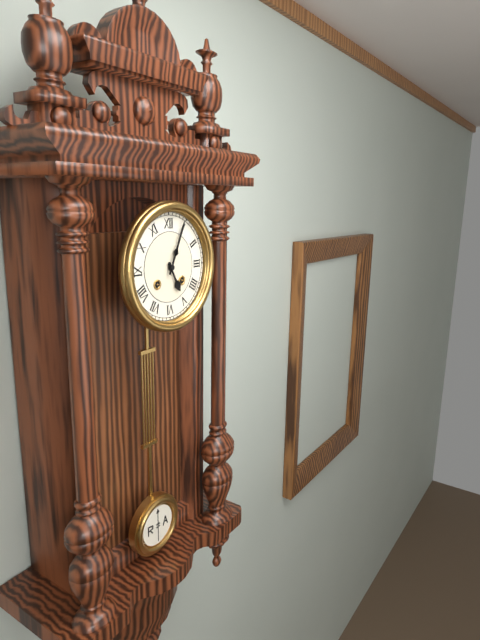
5.04
